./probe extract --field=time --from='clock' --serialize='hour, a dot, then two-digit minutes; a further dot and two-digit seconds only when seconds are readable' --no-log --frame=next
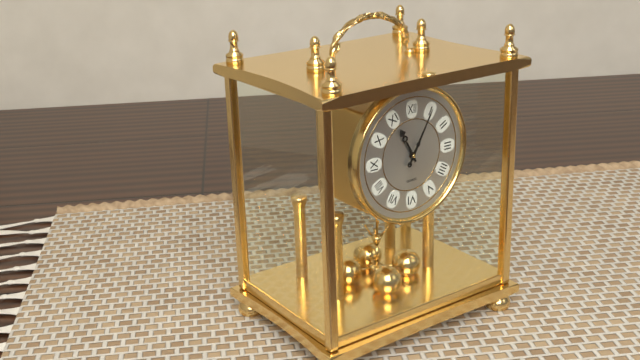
11.05
